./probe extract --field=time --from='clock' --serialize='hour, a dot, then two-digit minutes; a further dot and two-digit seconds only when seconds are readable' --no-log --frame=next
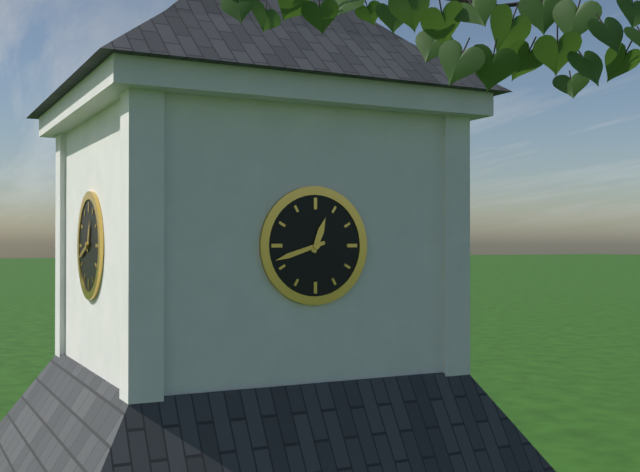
12.42
